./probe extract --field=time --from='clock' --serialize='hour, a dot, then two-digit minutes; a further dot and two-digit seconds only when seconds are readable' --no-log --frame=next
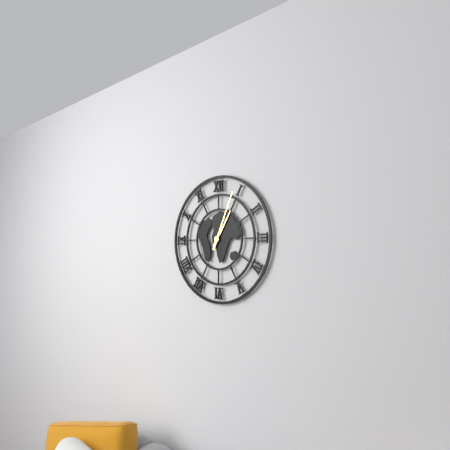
1.04
